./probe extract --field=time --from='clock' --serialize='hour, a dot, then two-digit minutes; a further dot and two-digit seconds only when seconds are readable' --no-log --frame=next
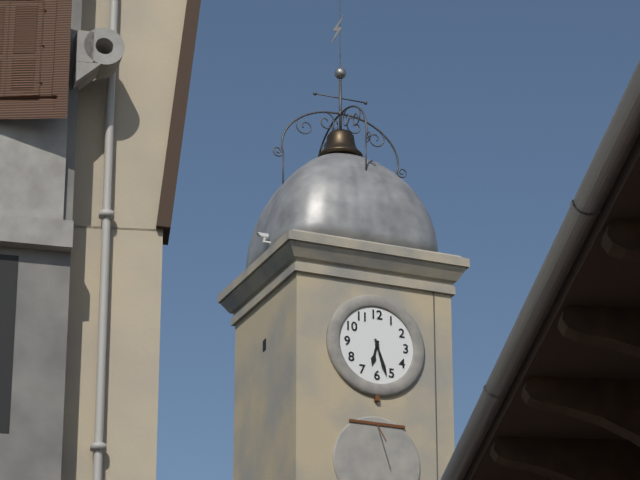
6.27
